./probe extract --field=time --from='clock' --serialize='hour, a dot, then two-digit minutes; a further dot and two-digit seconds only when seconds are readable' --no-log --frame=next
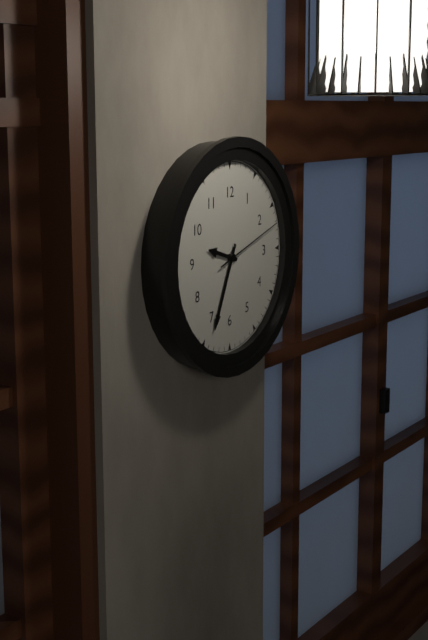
9.34.12
